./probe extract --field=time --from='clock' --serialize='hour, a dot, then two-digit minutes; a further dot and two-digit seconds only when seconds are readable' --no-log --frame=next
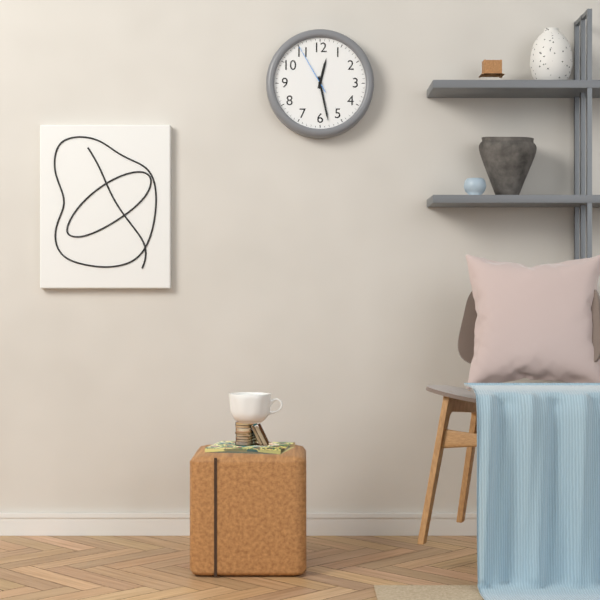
12.28.55
